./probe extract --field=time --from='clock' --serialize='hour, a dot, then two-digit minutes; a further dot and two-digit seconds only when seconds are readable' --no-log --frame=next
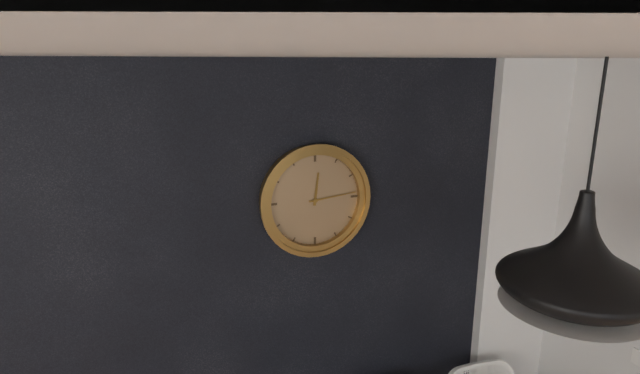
12.14
